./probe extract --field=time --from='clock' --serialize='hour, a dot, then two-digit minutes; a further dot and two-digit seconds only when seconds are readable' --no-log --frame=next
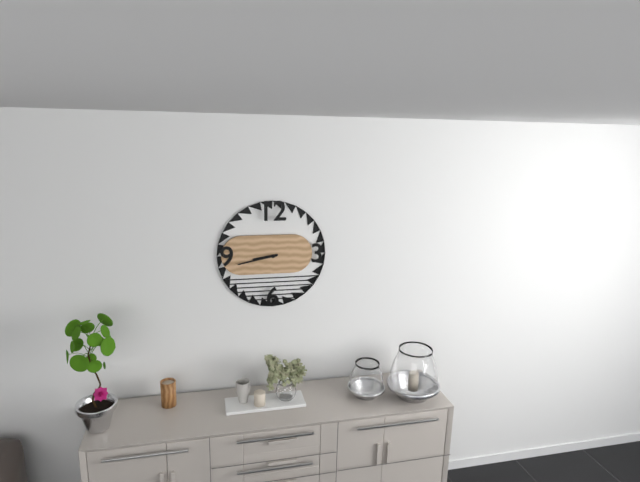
8.43
